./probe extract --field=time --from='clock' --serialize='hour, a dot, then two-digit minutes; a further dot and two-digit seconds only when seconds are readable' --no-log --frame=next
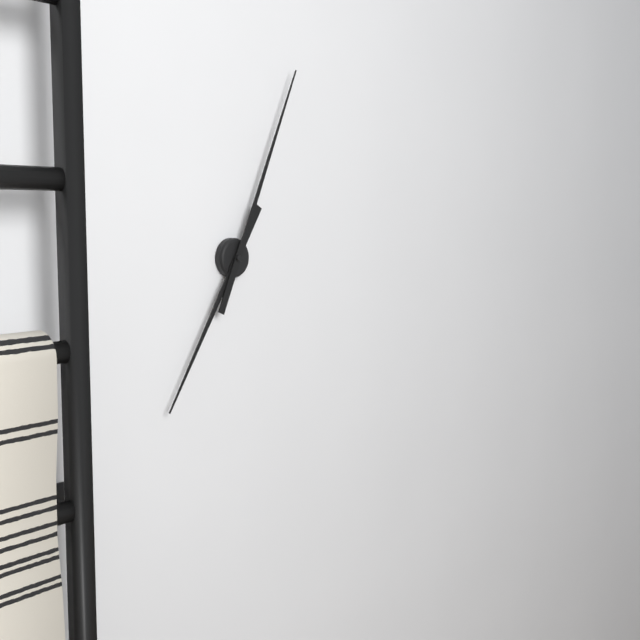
7.04
